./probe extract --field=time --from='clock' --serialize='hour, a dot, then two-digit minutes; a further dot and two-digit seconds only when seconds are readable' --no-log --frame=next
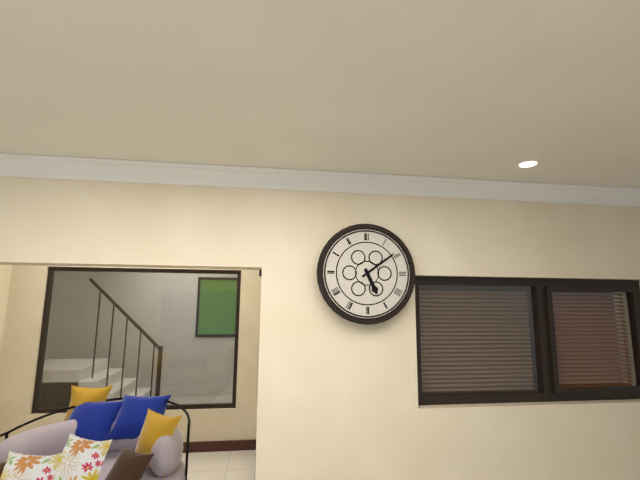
5.09
